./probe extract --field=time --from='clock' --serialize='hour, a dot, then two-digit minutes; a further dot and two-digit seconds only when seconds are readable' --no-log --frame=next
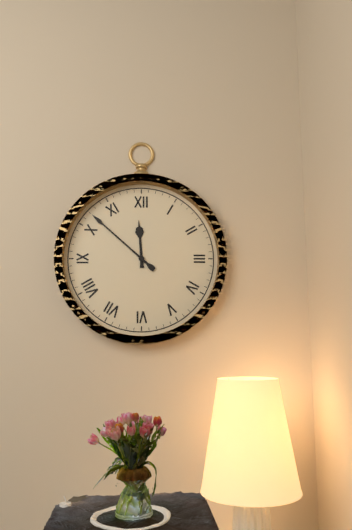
11.52
